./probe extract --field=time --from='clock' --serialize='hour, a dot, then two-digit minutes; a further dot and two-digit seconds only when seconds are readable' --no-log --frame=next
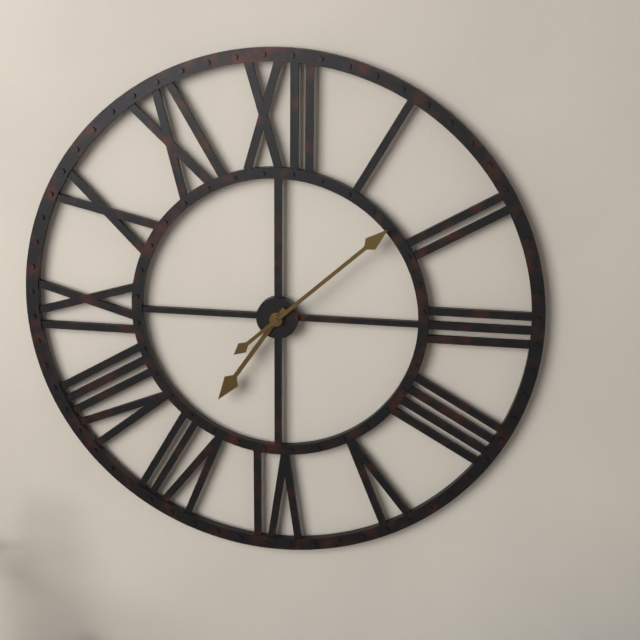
7.08
